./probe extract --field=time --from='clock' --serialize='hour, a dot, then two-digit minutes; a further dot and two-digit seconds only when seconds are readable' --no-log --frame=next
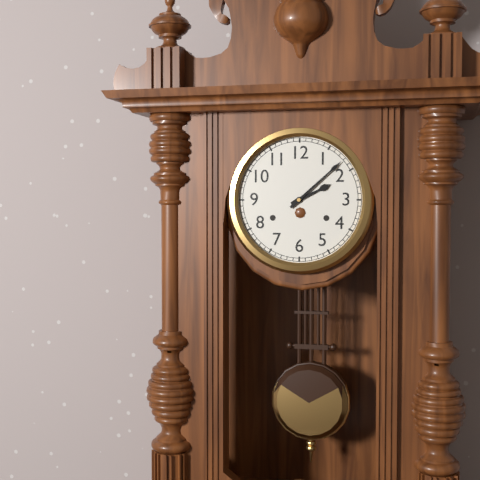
2.08
